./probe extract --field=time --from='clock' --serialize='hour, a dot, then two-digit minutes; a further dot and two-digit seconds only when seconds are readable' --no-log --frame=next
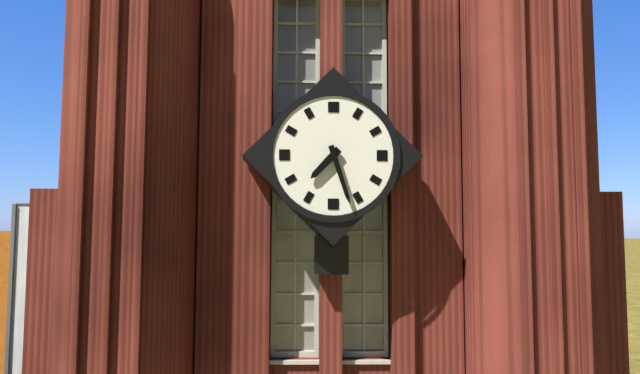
7.27
